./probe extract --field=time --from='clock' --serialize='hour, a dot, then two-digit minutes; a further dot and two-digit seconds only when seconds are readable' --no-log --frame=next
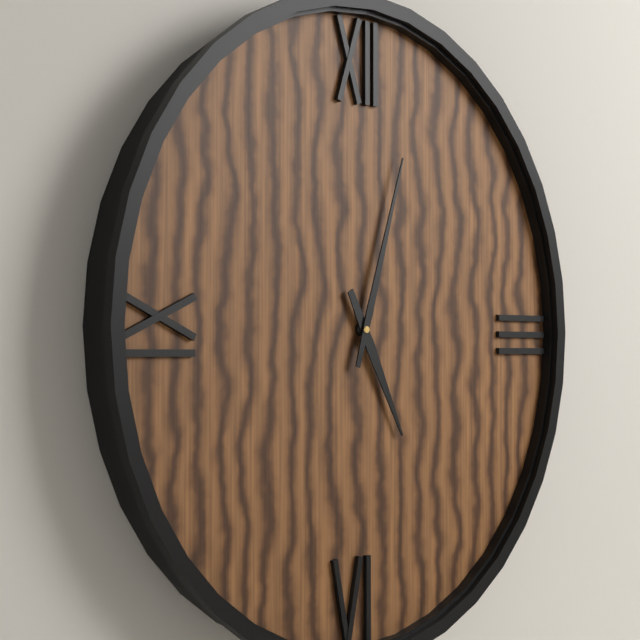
5.03
